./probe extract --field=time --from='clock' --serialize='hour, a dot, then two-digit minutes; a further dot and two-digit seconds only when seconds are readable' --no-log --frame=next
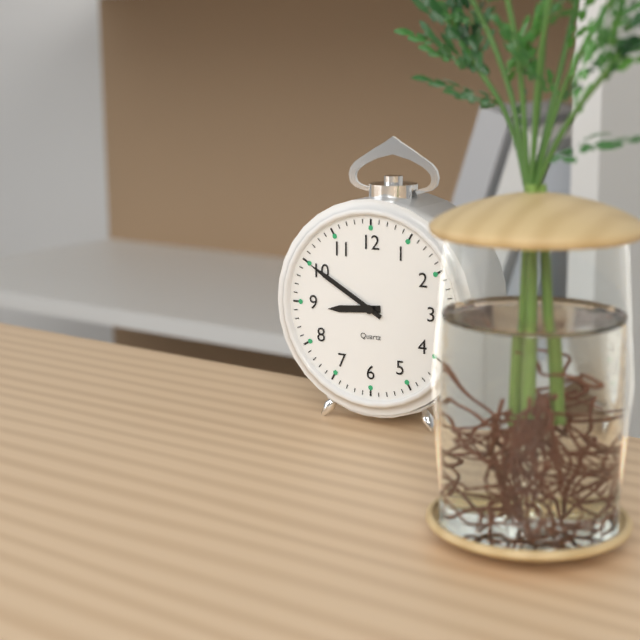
8.50
